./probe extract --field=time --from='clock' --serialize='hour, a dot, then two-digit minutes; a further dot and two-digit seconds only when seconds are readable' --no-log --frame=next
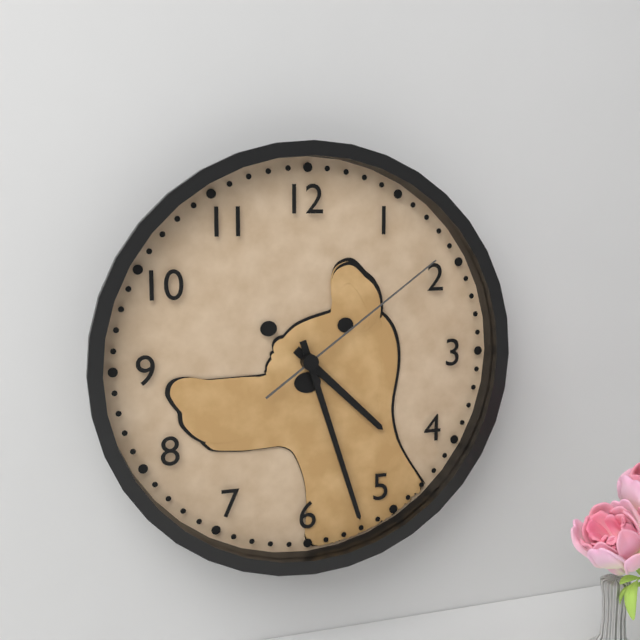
4.27.09
